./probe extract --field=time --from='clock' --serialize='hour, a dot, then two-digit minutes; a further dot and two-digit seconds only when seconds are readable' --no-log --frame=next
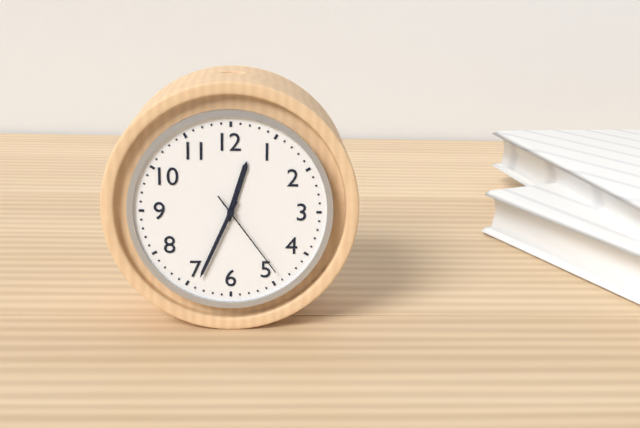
12.34.24
